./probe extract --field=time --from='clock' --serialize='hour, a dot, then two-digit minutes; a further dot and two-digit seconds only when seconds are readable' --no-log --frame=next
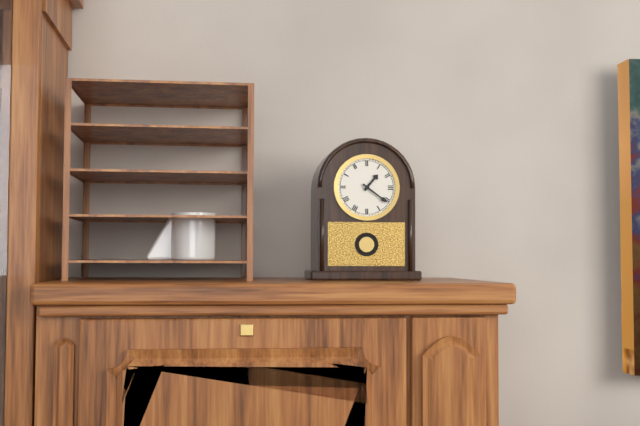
1.21
